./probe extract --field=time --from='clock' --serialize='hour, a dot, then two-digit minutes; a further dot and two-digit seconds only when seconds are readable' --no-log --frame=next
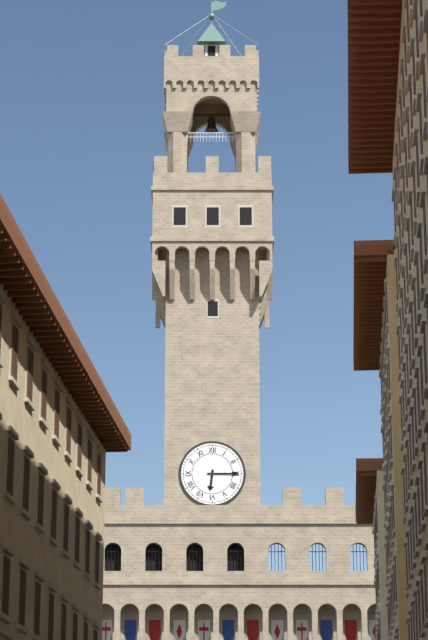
6.15
